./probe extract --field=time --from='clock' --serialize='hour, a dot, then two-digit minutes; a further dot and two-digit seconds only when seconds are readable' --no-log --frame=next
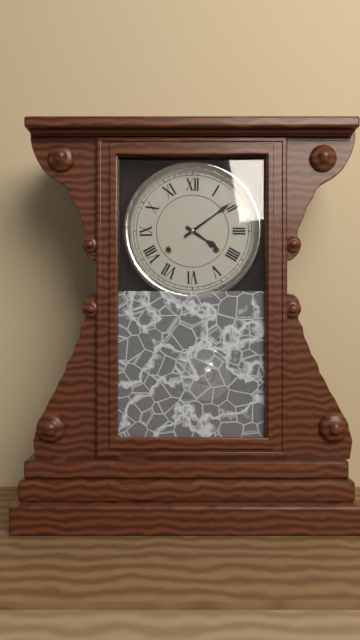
4.09
